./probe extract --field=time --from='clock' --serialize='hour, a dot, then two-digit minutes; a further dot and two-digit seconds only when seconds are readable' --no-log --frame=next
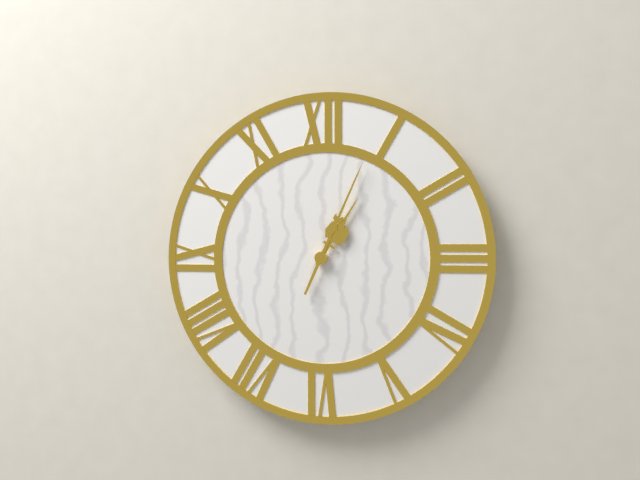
1.04
